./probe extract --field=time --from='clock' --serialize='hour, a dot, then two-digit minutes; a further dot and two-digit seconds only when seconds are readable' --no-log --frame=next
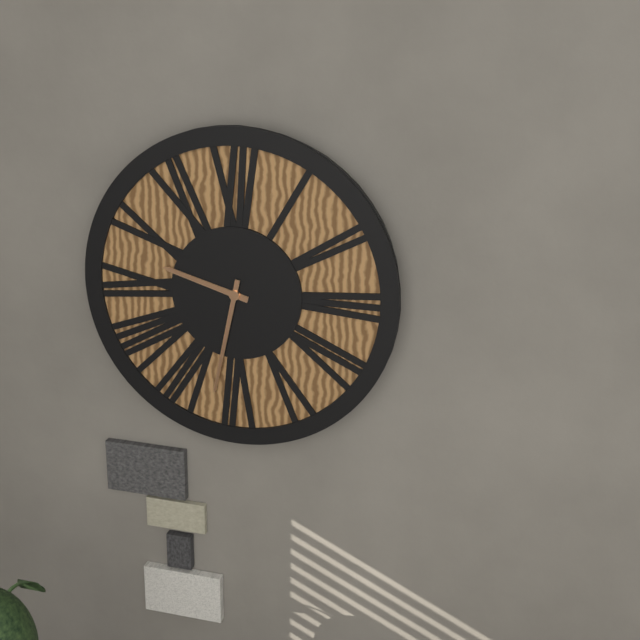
9.32
